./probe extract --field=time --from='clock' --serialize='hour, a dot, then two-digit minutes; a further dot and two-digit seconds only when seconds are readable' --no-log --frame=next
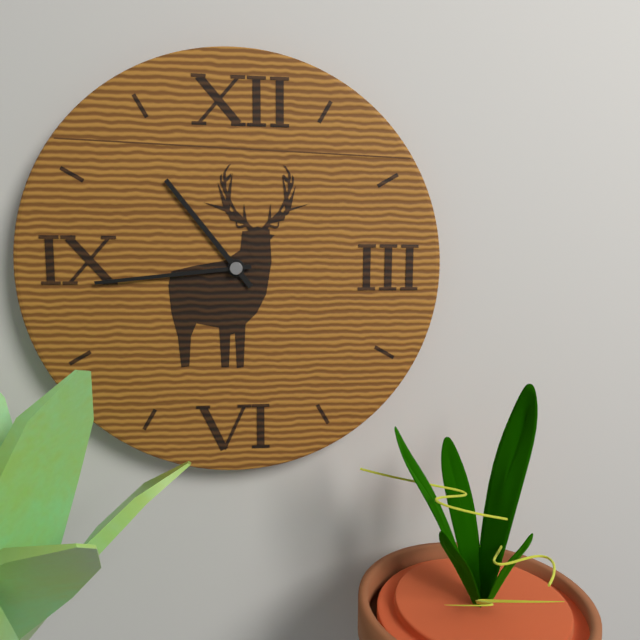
10.44
